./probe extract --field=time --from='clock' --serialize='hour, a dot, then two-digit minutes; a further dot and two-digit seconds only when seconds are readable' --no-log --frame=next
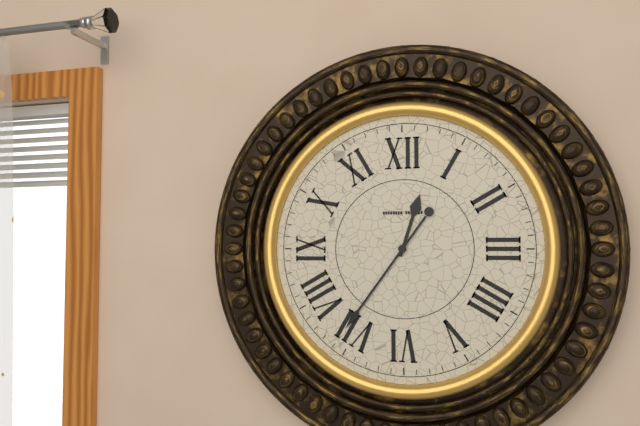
12.36
